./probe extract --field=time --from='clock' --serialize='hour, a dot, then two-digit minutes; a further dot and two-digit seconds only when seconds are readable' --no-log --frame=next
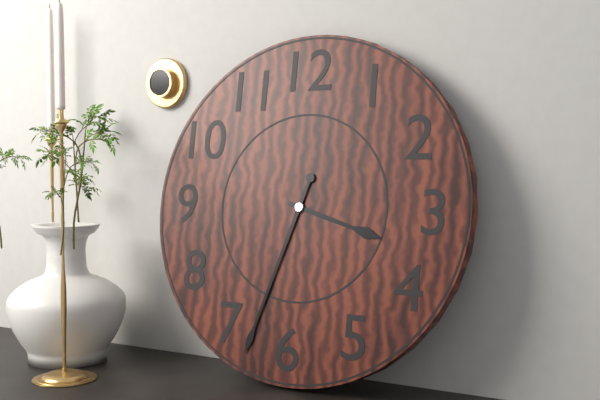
3.33
